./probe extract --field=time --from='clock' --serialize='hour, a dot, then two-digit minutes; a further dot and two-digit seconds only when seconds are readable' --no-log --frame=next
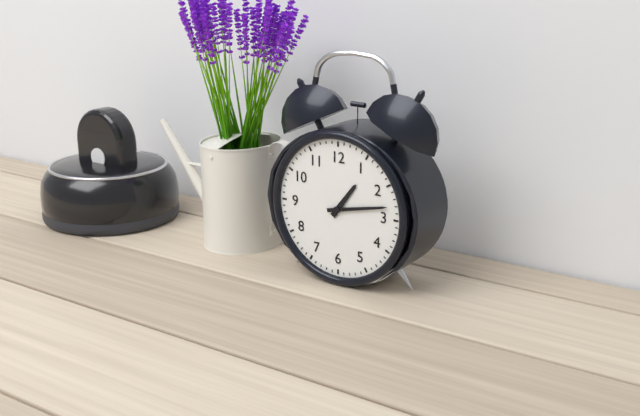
1.13
